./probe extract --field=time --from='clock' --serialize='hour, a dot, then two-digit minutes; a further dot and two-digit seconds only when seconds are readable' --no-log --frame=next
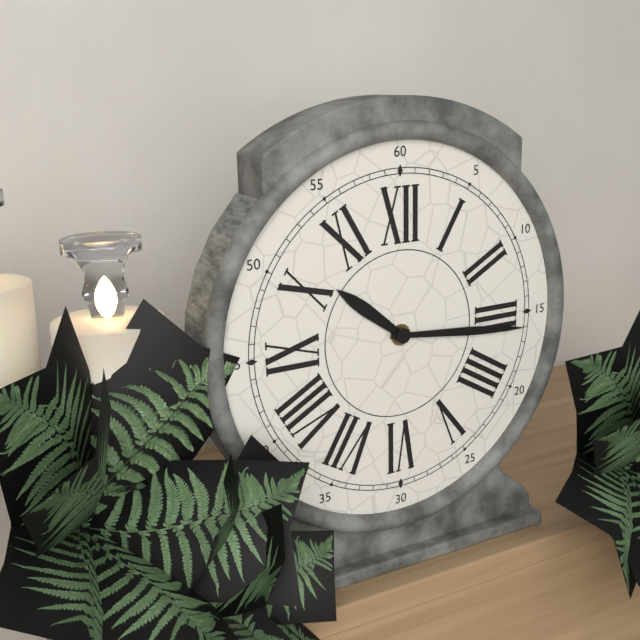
10.16
